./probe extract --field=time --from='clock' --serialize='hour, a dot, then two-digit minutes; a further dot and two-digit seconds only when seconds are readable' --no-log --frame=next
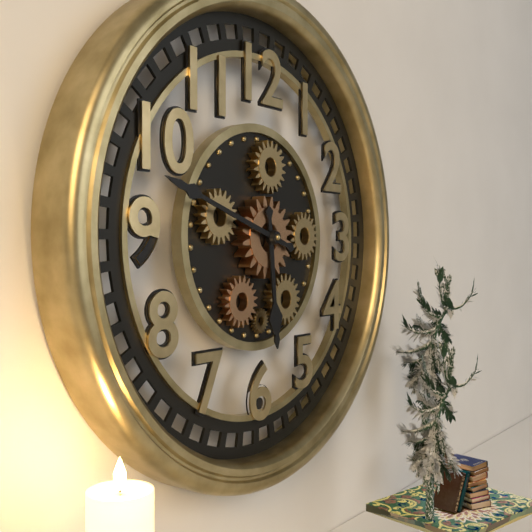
5.48
